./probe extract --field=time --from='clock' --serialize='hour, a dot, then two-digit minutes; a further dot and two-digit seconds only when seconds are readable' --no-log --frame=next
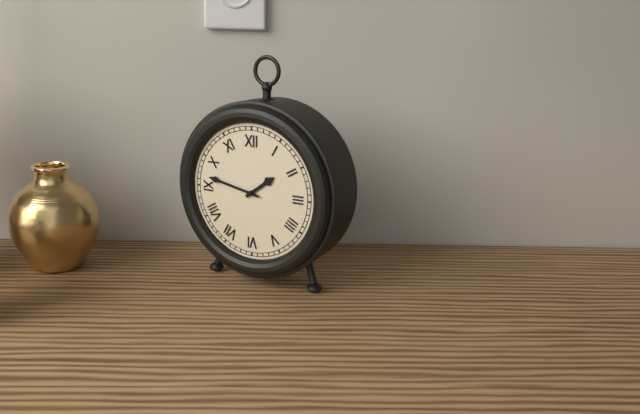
1.47
